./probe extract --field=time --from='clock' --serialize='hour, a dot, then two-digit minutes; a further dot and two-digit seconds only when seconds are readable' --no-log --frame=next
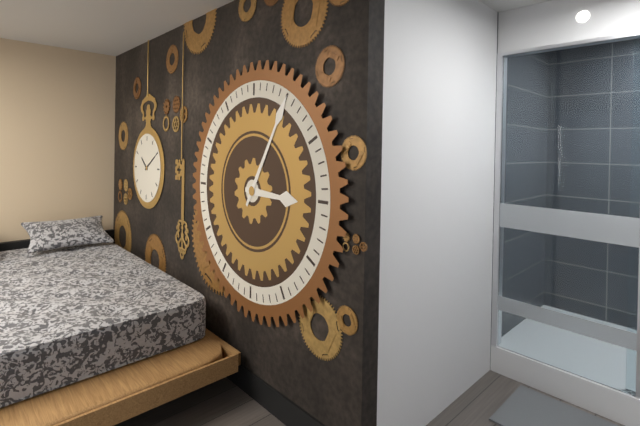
3.05
